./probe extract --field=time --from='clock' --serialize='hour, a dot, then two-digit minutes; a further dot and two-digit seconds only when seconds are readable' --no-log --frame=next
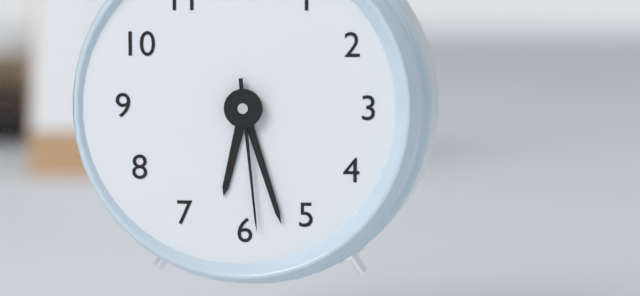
6.27.29
